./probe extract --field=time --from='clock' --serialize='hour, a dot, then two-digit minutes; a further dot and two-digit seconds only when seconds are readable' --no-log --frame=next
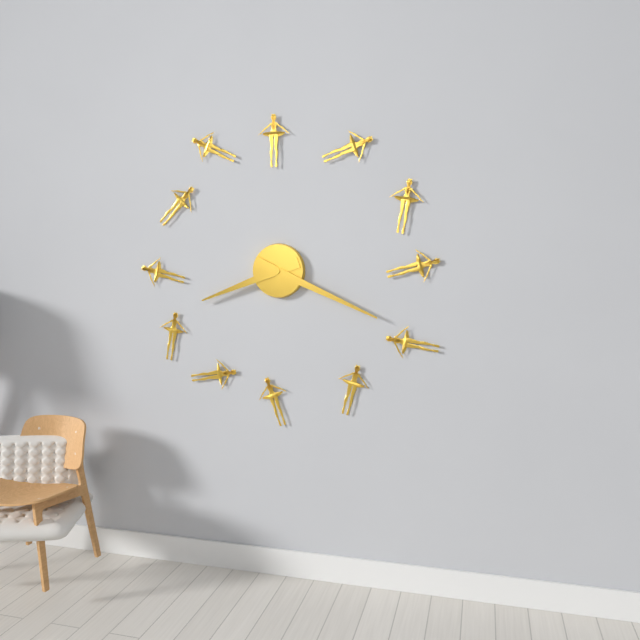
8.19
